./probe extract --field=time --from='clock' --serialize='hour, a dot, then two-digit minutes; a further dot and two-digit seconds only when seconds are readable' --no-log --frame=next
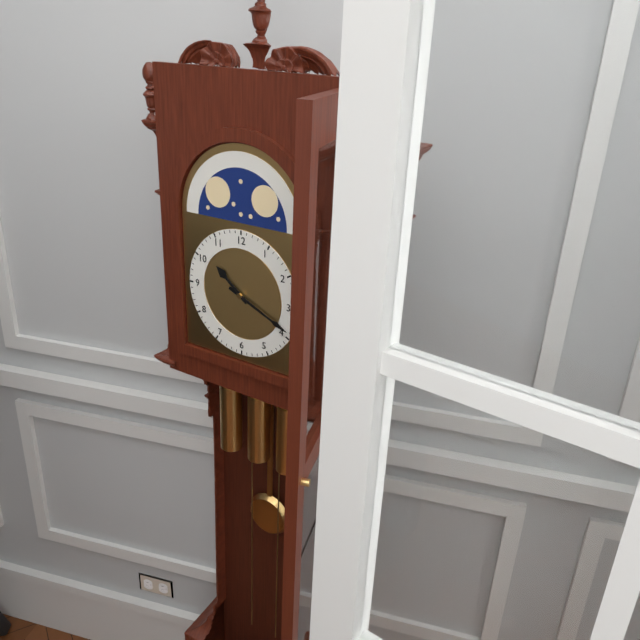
10.19
